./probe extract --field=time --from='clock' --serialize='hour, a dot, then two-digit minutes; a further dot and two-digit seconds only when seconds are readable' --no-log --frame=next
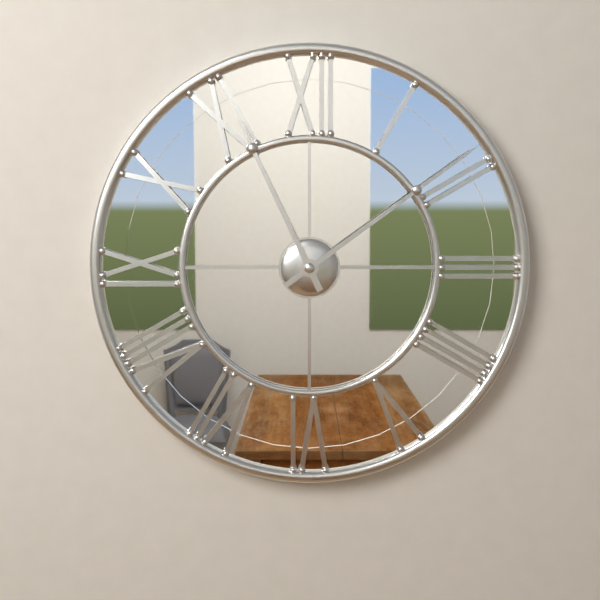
11.09
